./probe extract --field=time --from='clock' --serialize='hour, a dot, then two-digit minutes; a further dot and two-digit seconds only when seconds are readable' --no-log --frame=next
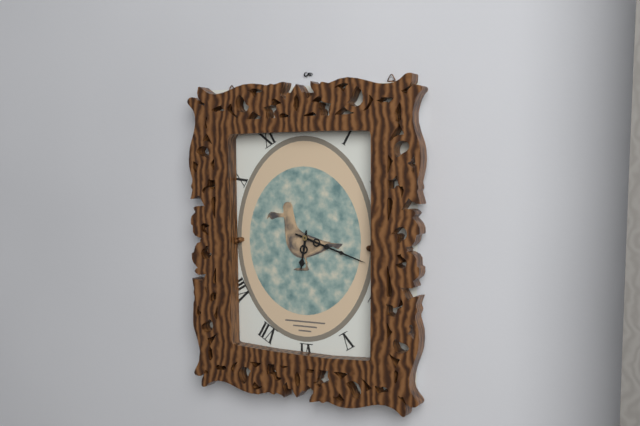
6.18
